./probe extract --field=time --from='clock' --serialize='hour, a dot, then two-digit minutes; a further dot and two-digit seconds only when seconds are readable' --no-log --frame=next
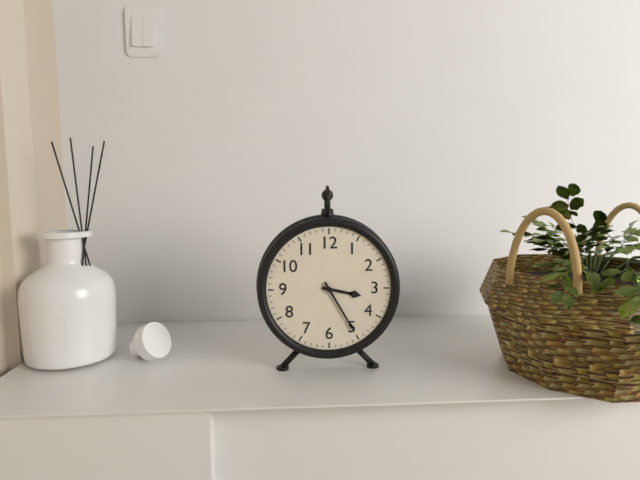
3.25
